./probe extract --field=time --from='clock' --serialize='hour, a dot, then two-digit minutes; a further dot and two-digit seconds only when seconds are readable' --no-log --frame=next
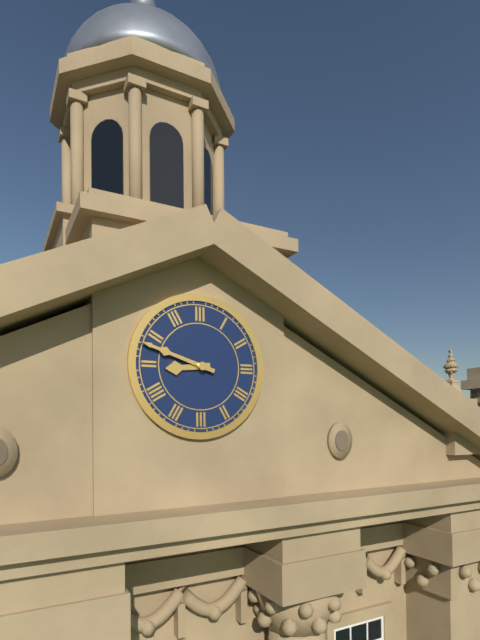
8.48
